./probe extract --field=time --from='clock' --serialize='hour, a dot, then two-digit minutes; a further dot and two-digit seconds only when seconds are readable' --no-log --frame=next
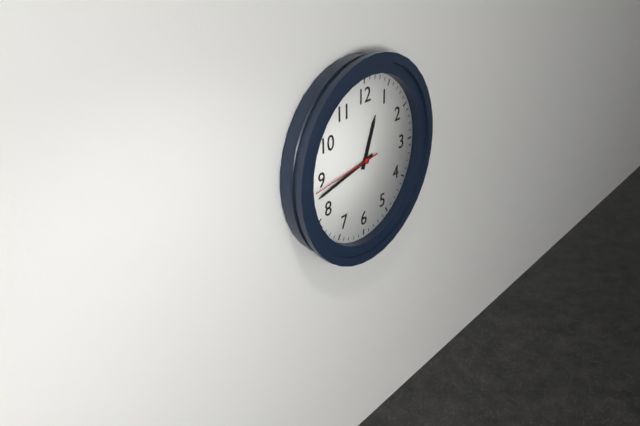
12.43.44
